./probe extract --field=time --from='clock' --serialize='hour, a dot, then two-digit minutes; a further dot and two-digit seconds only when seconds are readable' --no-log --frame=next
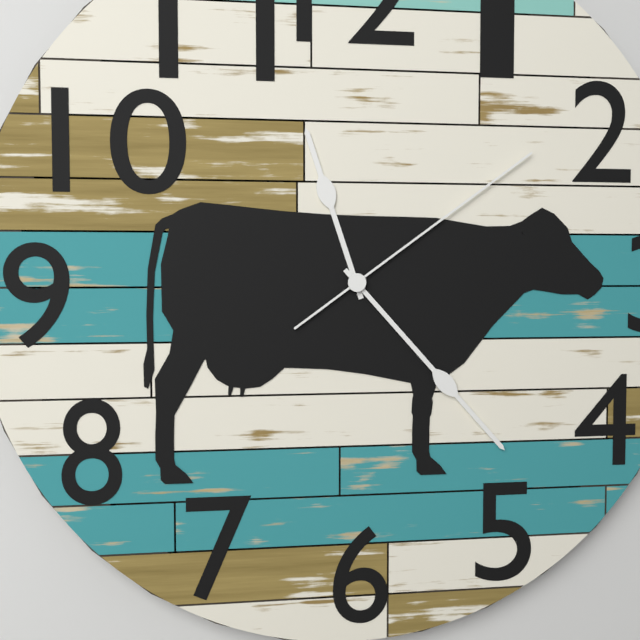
11.23.09
